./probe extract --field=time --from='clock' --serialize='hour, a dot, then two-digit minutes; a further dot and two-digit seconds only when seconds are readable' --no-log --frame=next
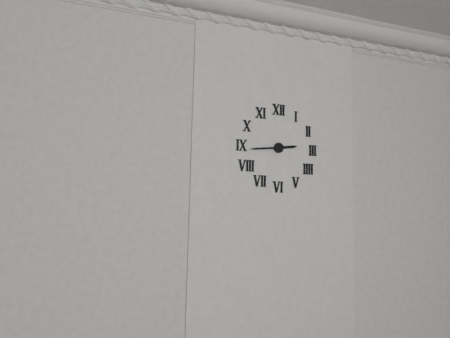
2.44
